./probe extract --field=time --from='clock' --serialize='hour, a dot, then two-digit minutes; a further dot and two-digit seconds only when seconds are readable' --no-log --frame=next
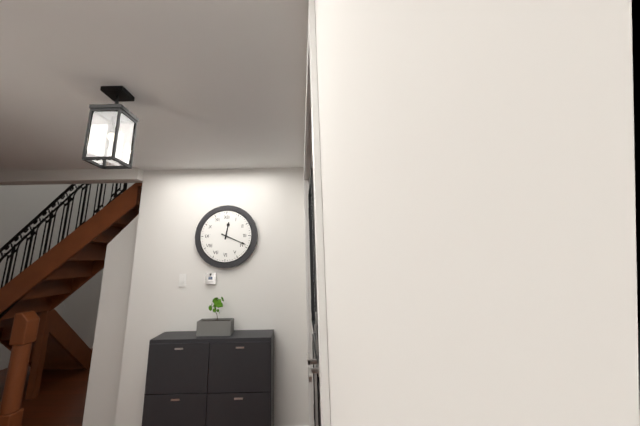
12.19
